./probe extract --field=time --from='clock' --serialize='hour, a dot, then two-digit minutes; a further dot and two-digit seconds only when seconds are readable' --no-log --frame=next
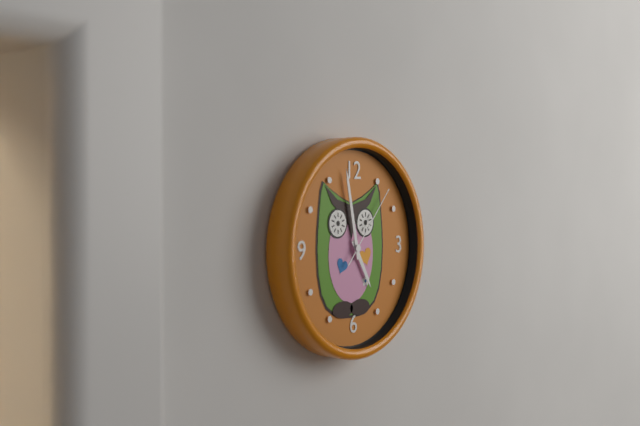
4.58.07
